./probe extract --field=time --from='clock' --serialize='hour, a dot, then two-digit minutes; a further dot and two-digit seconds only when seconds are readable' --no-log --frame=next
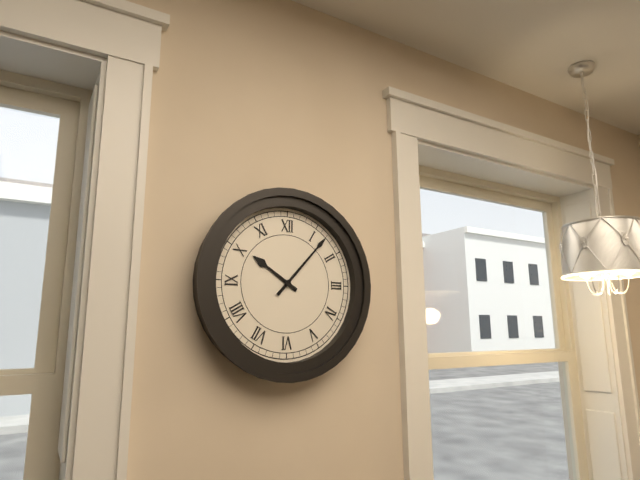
10.07
